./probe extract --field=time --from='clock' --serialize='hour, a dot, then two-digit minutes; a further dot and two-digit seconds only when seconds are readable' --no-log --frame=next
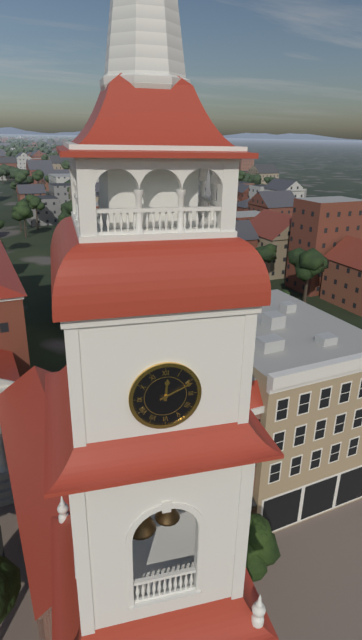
12.11
